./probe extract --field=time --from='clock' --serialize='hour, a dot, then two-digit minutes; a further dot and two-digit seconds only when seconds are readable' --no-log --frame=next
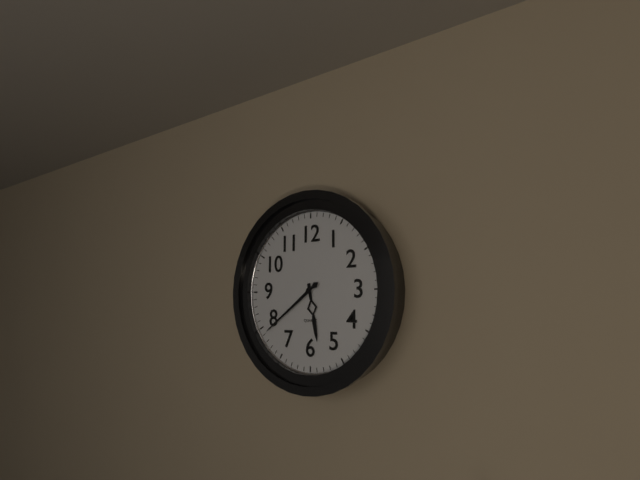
5.39
